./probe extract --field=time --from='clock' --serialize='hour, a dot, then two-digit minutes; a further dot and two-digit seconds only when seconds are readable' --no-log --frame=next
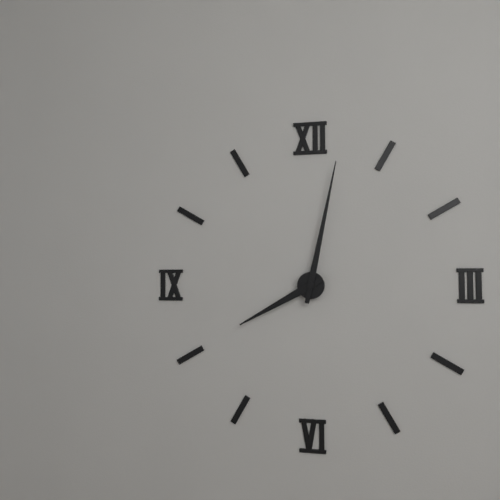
8.02
